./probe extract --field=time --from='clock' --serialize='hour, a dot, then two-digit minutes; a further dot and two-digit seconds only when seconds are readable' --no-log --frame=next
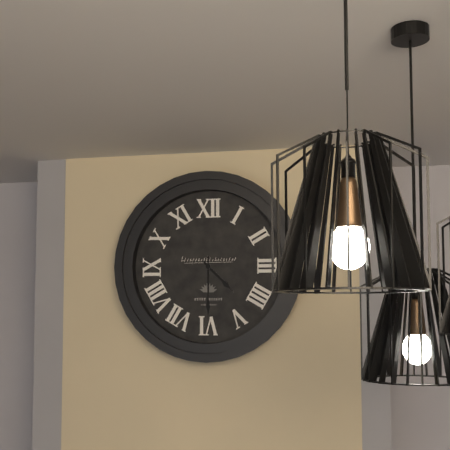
4.30
